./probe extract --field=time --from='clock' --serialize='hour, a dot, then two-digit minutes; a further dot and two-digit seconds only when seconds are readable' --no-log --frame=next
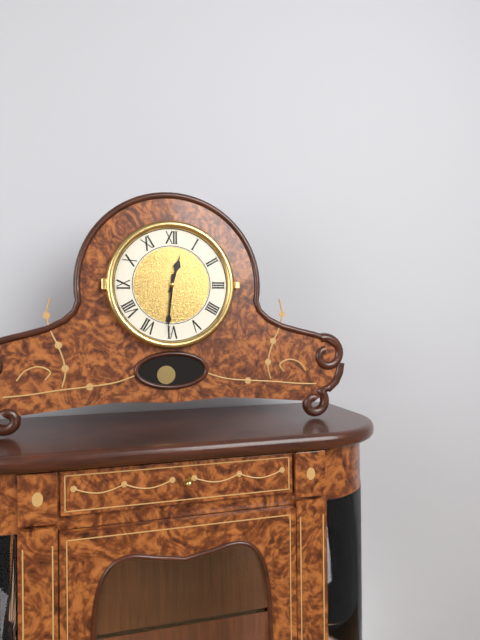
12.31
